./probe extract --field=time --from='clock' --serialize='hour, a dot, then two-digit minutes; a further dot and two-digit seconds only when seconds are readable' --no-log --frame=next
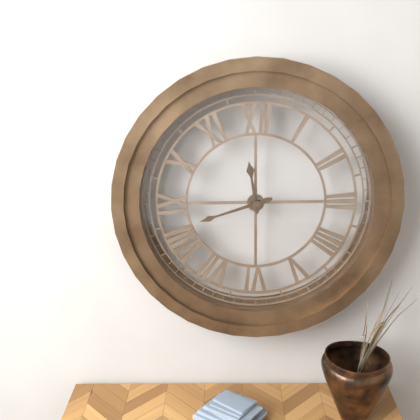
11.42
